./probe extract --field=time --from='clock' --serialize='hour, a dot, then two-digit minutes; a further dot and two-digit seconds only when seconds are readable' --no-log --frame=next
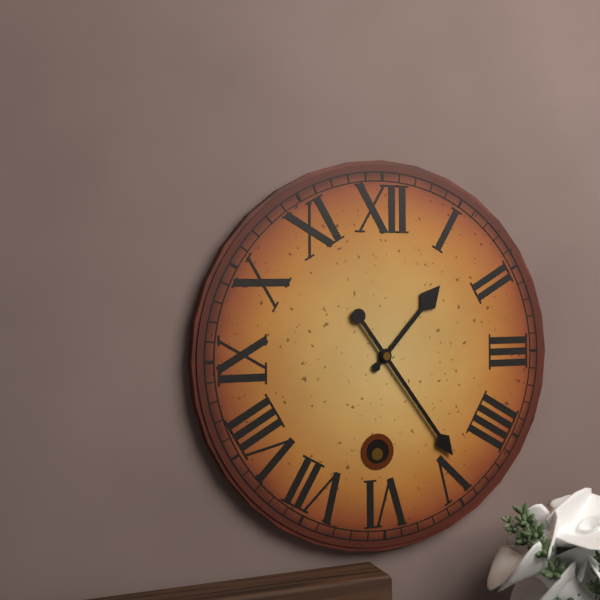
1.24
